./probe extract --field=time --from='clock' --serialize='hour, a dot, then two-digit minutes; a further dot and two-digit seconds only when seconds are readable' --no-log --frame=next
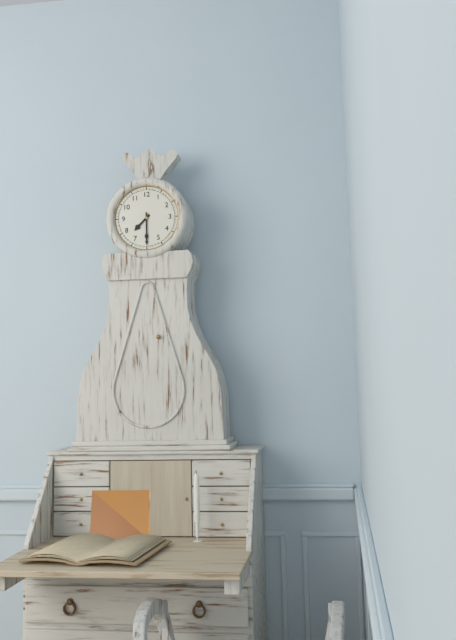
7.30
